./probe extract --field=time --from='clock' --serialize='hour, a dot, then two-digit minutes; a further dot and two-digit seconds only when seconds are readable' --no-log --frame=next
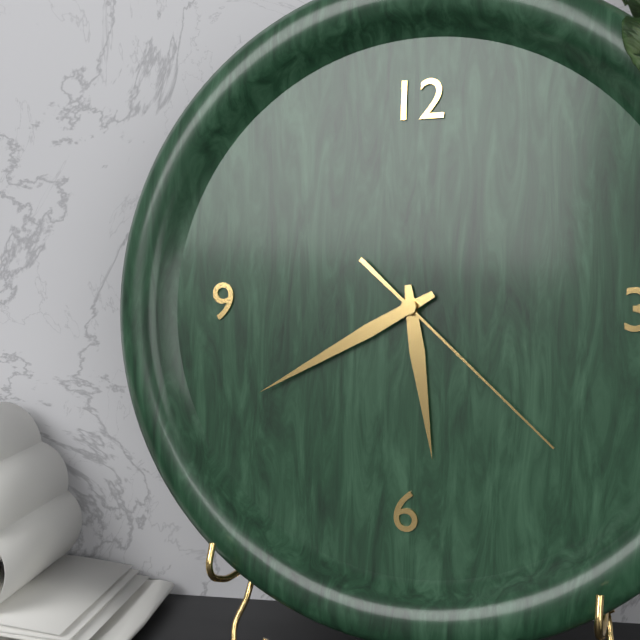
5.40.22
